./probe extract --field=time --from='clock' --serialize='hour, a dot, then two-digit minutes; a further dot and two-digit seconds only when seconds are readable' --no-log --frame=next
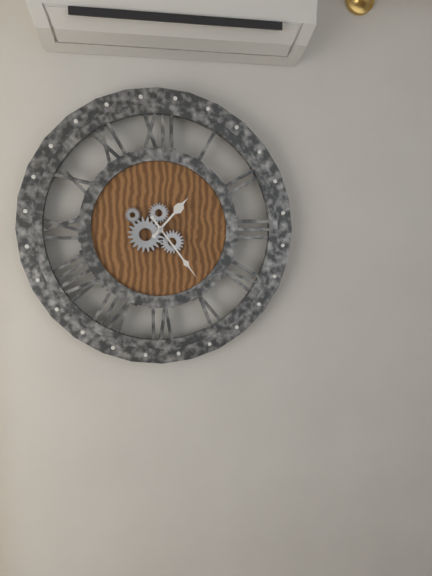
1.24
